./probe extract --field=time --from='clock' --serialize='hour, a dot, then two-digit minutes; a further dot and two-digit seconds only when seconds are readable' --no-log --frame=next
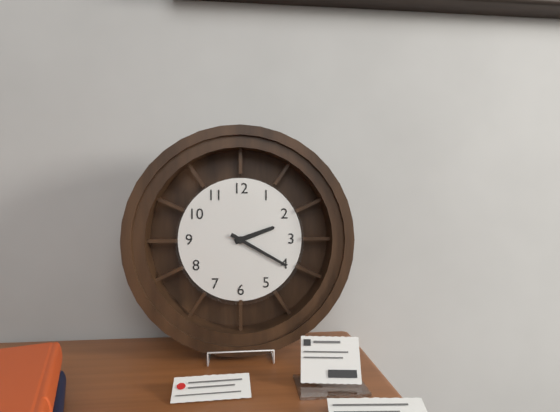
2.20
